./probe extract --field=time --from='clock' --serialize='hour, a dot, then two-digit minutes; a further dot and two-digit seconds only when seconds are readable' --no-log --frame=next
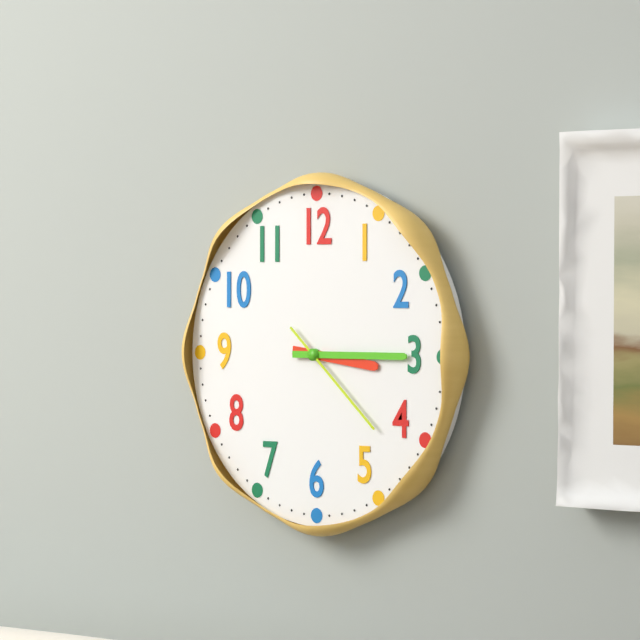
3.15.22
